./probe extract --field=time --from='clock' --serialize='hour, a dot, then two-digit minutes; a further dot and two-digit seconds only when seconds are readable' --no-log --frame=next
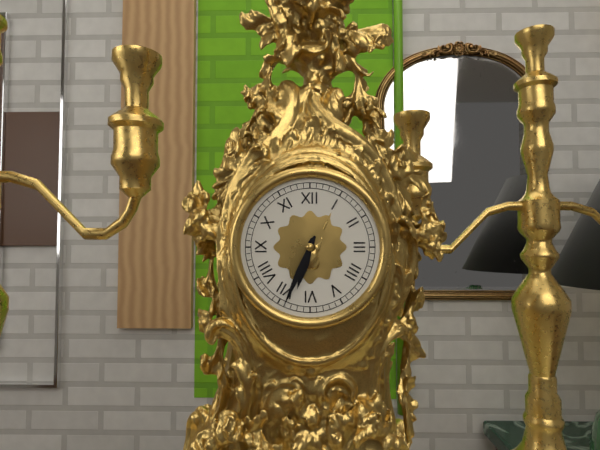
6.34
